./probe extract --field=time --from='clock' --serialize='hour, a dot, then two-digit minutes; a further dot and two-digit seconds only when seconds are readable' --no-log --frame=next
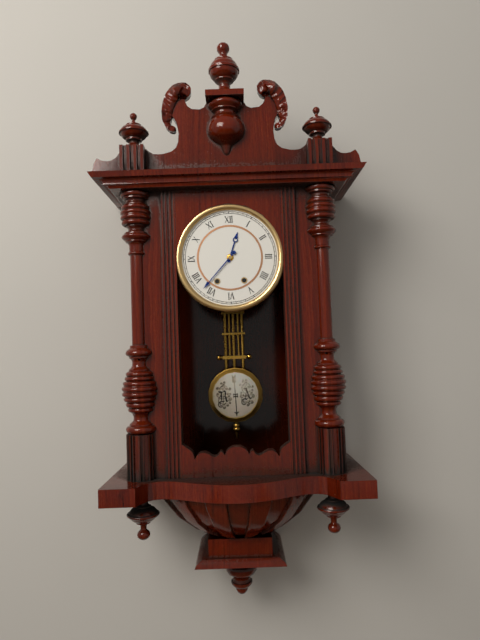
12.37
